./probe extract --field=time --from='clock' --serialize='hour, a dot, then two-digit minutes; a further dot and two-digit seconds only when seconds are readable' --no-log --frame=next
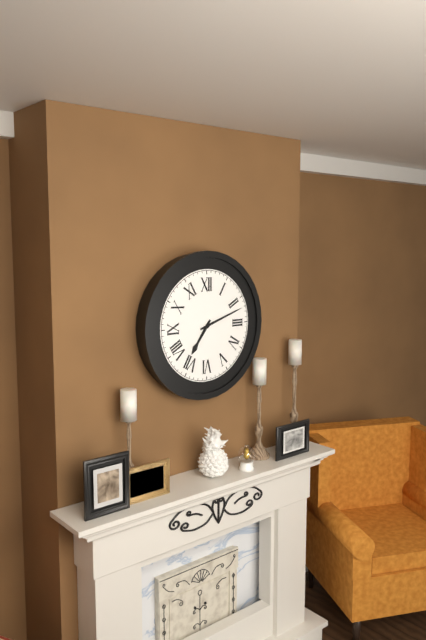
7.12
